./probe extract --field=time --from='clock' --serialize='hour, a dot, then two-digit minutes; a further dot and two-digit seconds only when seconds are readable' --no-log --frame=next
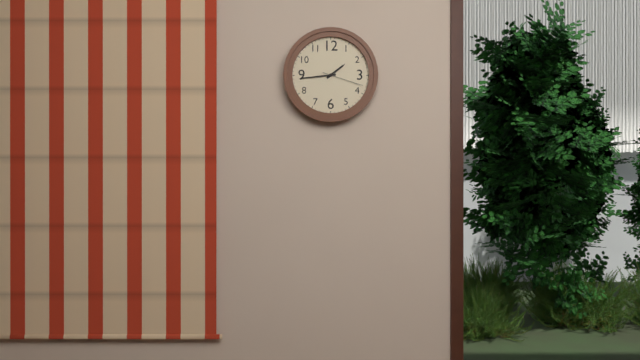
1.44
